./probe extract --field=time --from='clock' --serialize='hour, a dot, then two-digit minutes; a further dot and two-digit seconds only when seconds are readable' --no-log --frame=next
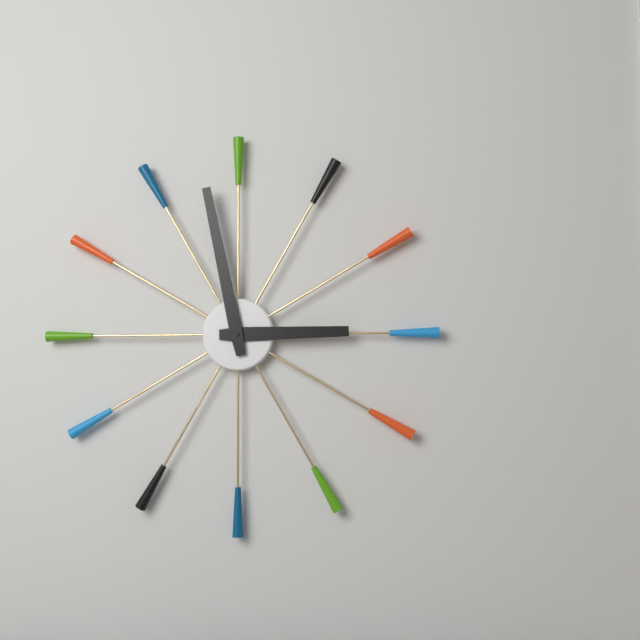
2.58
